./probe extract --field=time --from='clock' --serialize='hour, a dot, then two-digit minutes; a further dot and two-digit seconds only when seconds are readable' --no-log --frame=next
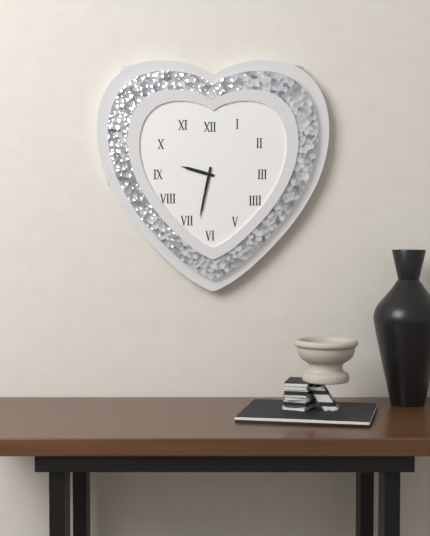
9.32
